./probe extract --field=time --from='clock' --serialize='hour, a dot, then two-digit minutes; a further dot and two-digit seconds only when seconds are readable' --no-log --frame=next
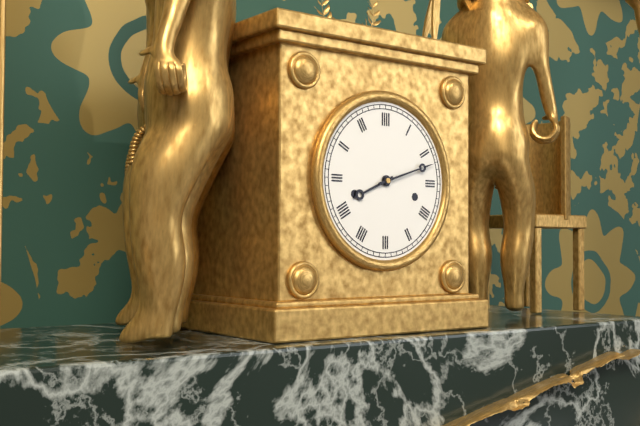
8.12
